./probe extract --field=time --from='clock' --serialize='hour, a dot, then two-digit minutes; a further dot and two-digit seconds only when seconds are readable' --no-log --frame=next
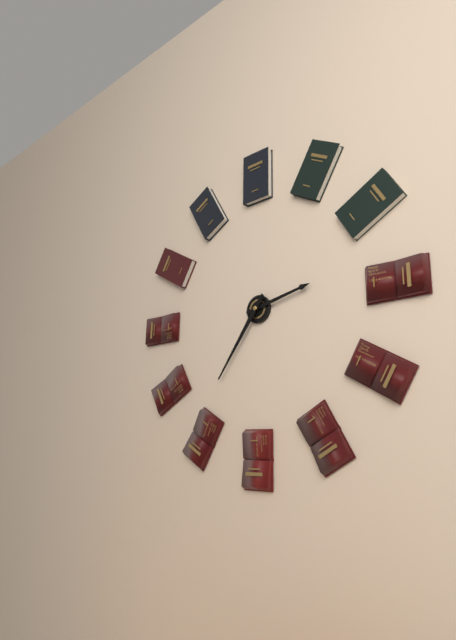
2.36
